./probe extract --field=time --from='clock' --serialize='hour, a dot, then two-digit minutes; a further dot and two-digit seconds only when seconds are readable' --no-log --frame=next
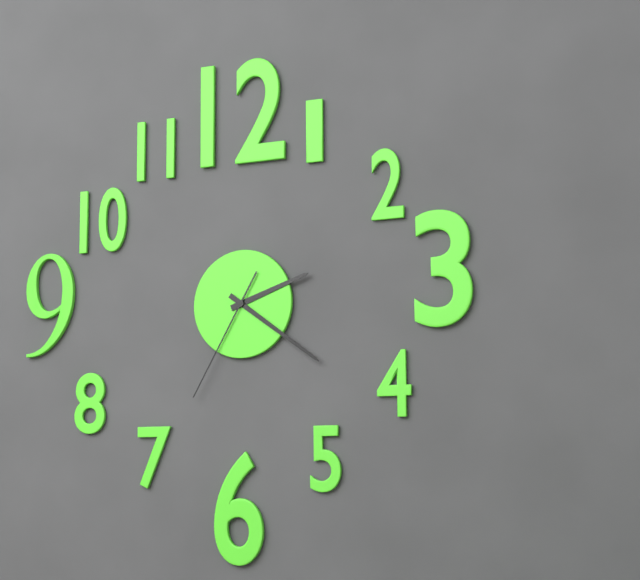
2.21.35
